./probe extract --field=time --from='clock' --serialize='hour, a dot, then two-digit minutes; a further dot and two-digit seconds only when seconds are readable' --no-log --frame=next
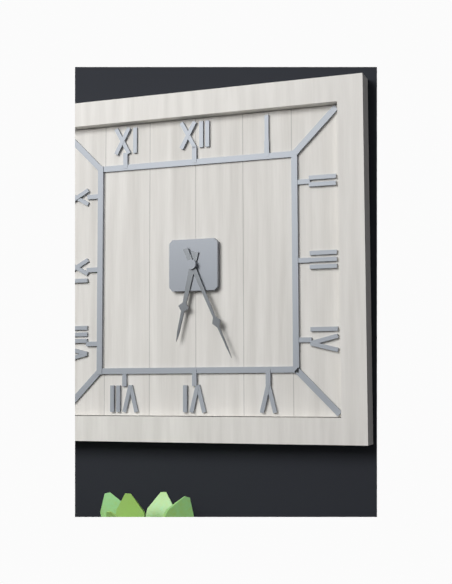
6.26
